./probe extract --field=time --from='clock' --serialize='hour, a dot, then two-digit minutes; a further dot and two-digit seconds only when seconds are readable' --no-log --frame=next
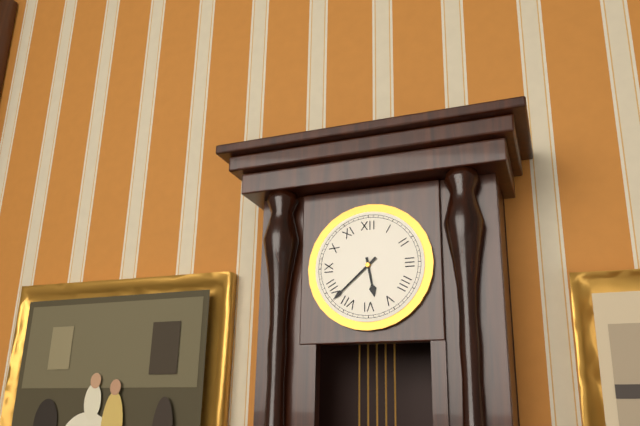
5.38
